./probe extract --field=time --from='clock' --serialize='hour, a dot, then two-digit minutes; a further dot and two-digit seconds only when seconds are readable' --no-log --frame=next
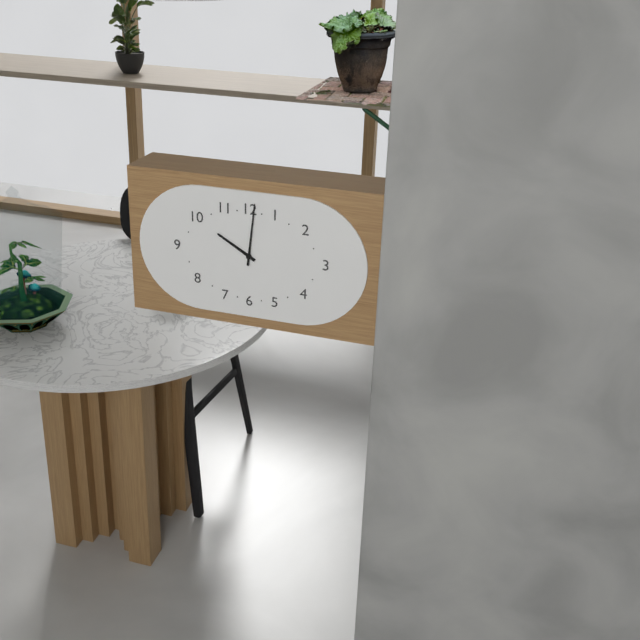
10.01
